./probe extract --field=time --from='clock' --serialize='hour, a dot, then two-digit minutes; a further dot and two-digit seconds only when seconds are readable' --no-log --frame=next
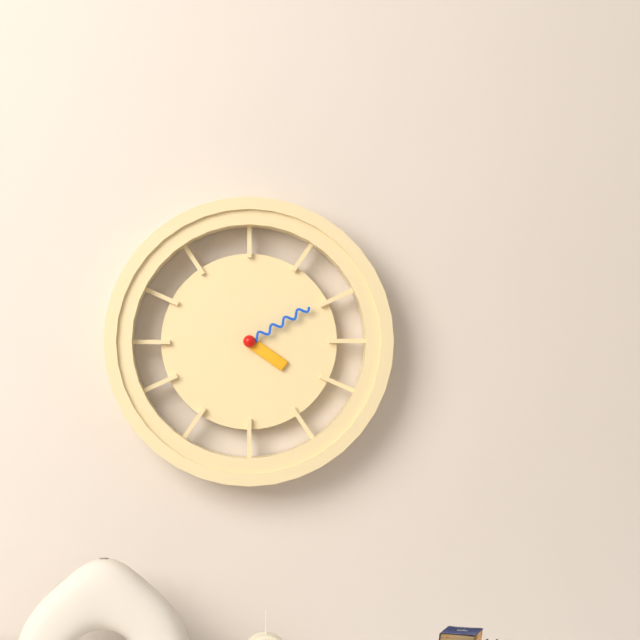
4.10
